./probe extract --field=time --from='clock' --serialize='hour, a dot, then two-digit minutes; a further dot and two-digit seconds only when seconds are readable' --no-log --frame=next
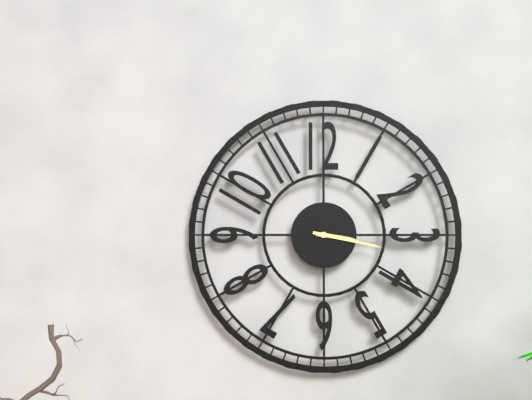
3.17
